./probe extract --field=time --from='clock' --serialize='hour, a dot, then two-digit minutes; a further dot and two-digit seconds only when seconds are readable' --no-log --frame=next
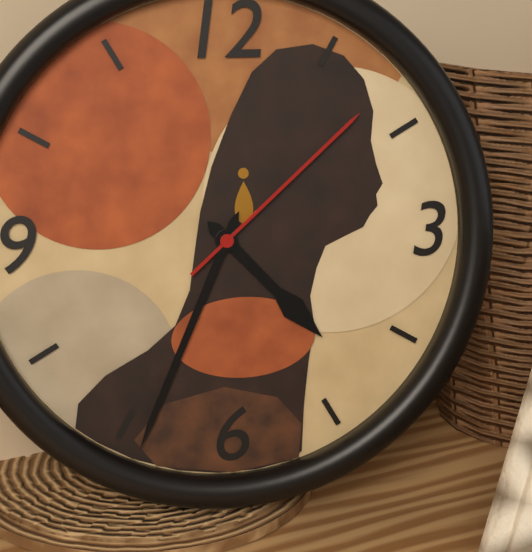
4.34.08
